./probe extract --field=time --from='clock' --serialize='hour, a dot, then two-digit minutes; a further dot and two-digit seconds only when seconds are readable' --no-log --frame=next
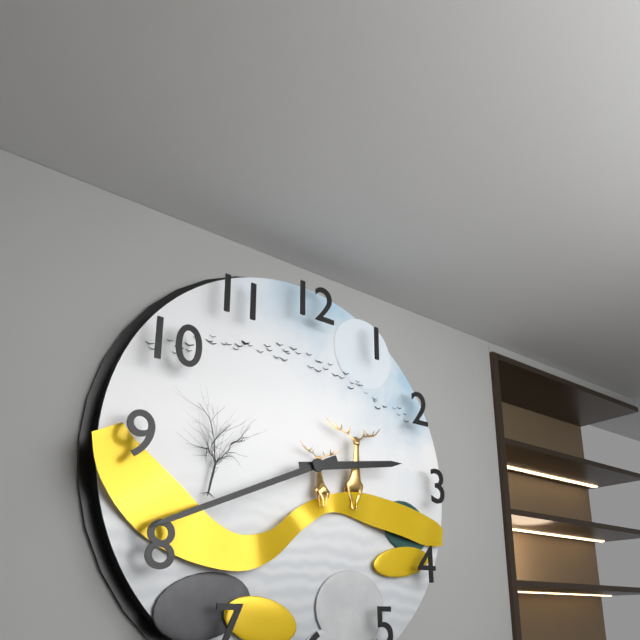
2.41
